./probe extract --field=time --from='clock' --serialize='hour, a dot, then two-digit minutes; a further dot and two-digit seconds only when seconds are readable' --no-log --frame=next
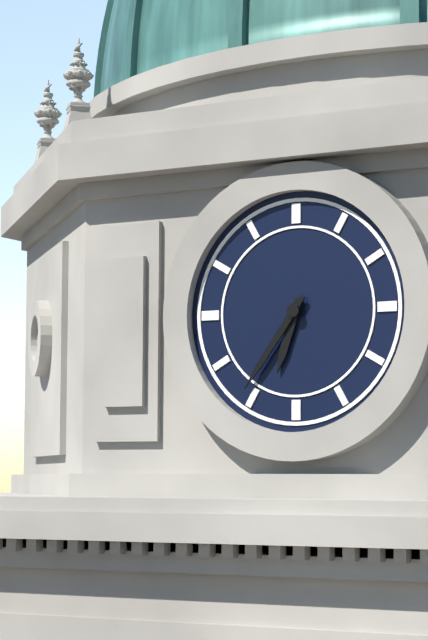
6.36
